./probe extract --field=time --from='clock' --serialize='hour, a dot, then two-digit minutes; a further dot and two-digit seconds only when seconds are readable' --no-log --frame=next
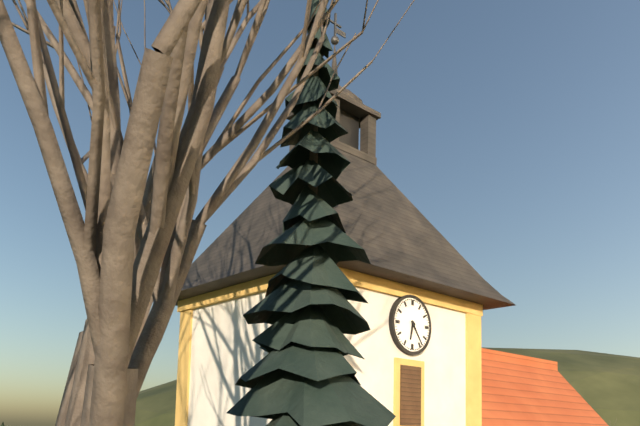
6.24
